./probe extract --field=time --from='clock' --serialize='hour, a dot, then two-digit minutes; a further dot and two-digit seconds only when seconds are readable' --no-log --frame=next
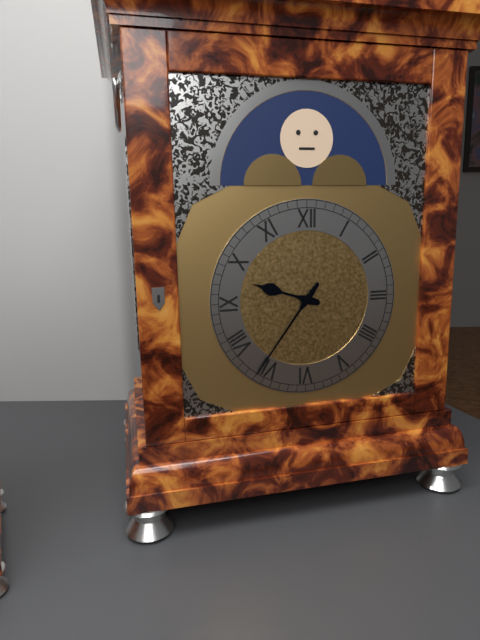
9.36
